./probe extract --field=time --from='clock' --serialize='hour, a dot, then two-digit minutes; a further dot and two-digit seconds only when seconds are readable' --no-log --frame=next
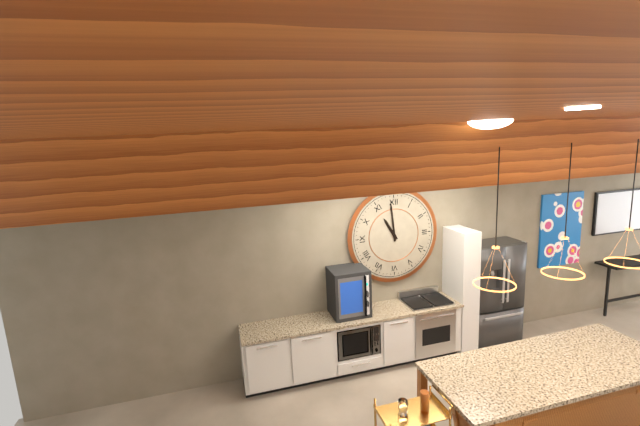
10.59
